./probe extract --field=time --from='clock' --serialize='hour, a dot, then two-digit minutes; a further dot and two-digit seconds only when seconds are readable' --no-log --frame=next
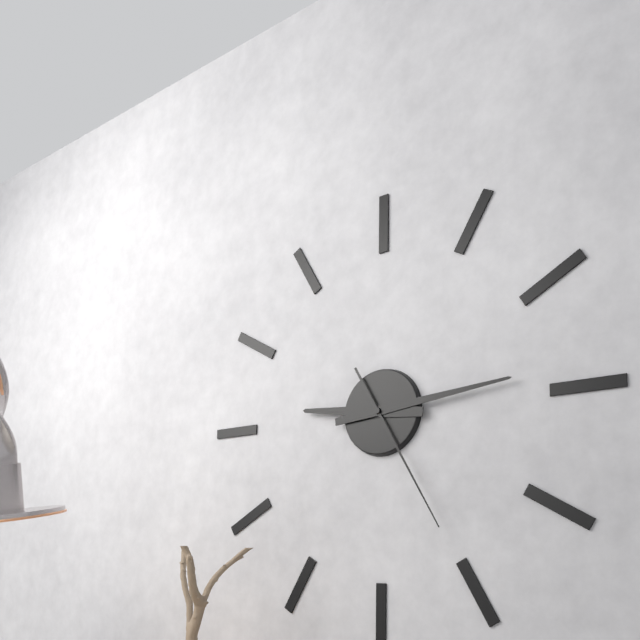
9.14.25
